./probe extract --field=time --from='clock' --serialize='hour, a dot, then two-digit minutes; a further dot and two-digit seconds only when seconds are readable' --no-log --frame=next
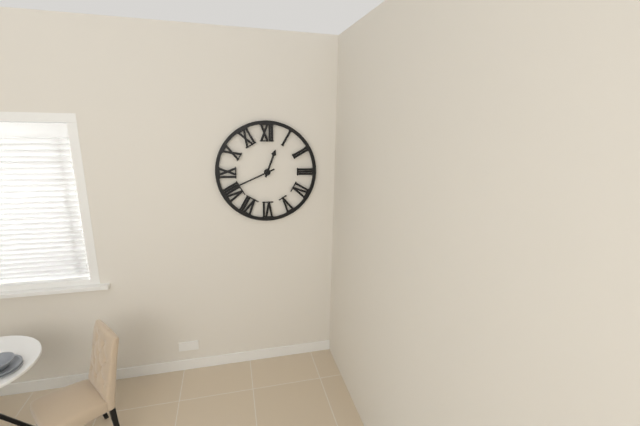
12.41
